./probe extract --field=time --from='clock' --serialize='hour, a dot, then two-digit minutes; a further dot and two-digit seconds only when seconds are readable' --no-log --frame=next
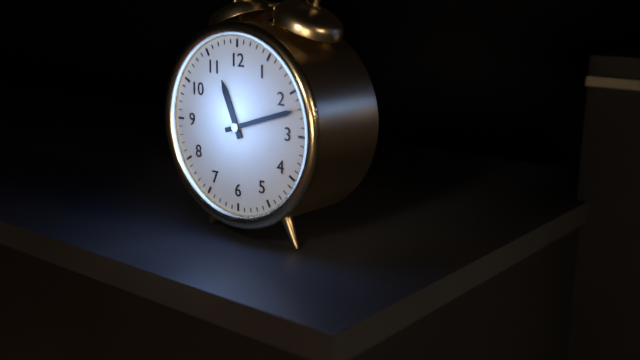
11.12
